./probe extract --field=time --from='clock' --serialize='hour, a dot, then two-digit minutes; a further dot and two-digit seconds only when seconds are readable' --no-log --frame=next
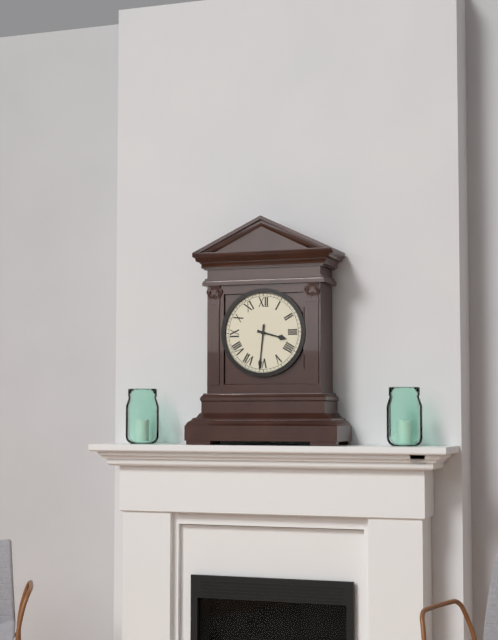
3.31
